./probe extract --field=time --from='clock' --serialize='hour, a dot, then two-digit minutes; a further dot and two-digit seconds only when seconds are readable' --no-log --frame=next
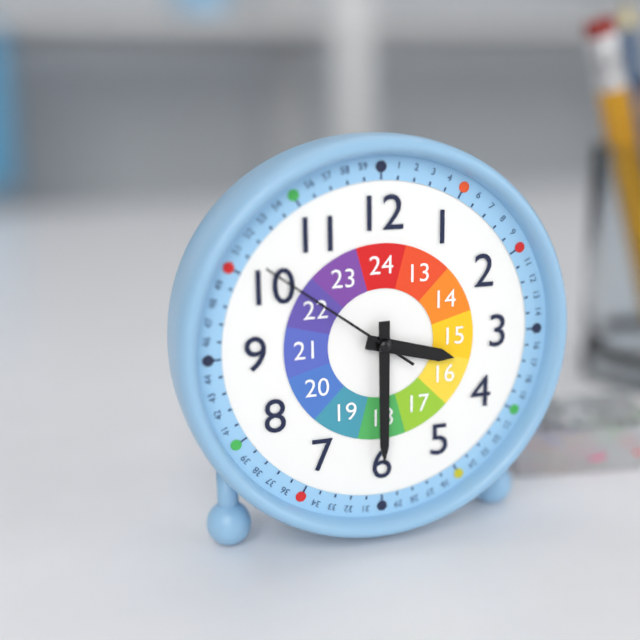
3.30.51
